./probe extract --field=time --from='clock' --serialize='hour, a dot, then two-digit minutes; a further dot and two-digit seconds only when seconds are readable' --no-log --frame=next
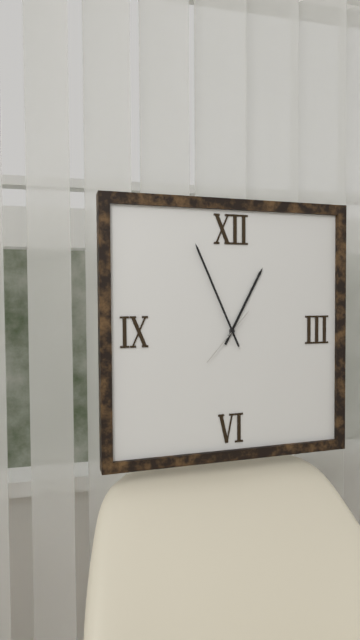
12.56.37
